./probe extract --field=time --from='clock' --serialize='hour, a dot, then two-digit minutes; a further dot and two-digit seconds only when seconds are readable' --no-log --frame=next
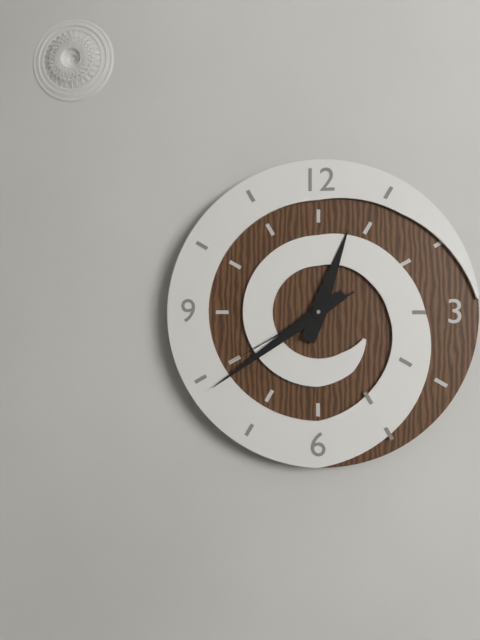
12.39.40
